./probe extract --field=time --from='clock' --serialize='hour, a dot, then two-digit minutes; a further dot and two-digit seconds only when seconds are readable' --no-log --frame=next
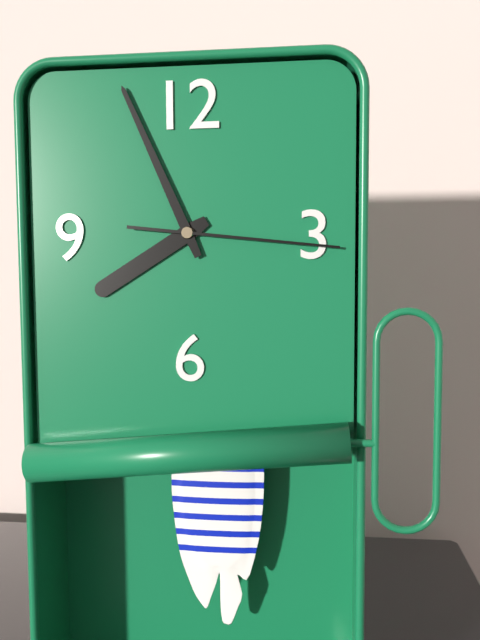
7.56.16
